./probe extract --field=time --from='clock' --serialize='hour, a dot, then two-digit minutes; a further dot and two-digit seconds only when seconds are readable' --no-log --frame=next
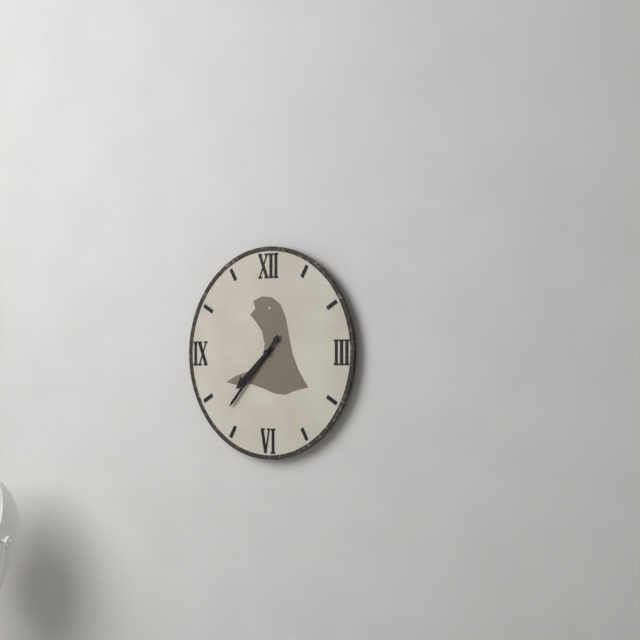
7.37
